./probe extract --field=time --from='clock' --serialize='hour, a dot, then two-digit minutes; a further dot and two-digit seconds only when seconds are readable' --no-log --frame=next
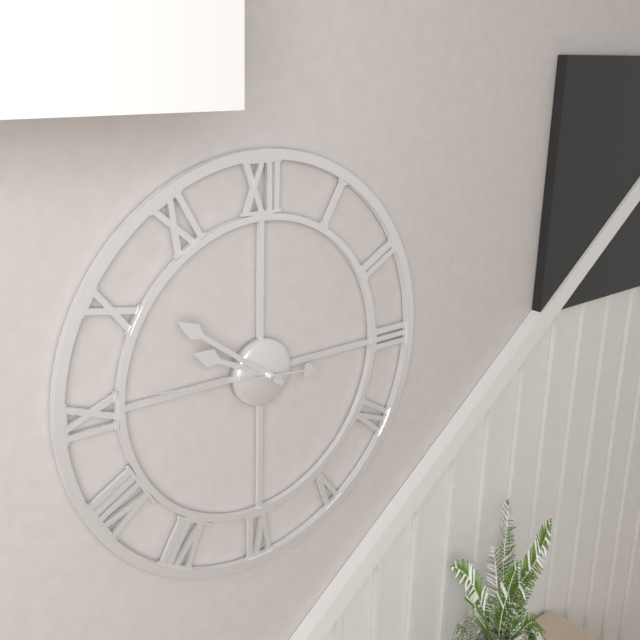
9.51.46
